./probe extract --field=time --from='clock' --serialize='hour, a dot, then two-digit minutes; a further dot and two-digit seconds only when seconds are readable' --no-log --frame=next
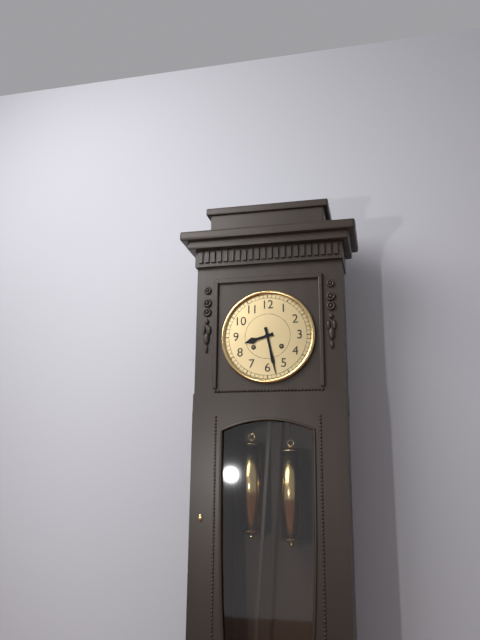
8.28
